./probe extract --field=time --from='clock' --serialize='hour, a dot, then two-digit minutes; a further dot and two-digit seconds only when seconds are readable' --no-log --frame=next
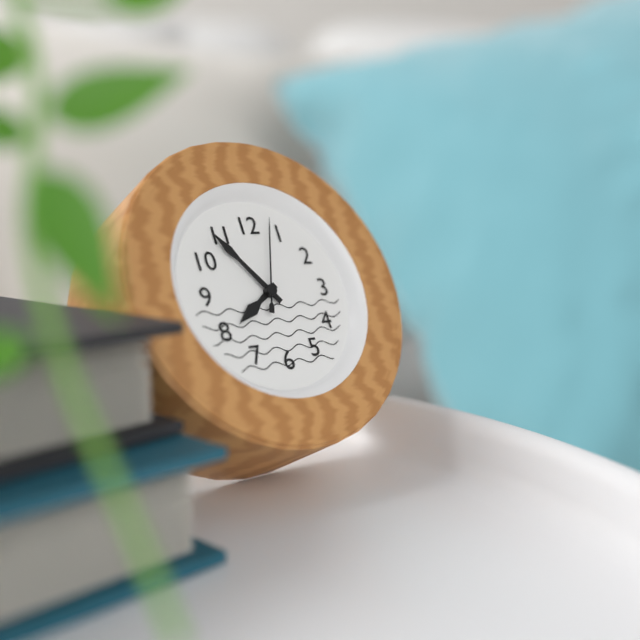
7.54.03
